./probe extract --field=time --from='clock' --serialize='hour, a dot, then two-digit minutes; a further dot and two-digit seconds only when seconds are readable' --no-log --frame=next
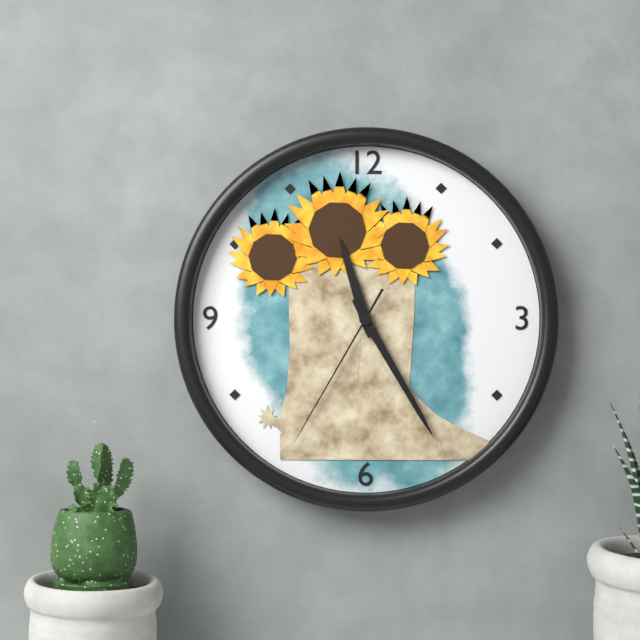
11.25.35
